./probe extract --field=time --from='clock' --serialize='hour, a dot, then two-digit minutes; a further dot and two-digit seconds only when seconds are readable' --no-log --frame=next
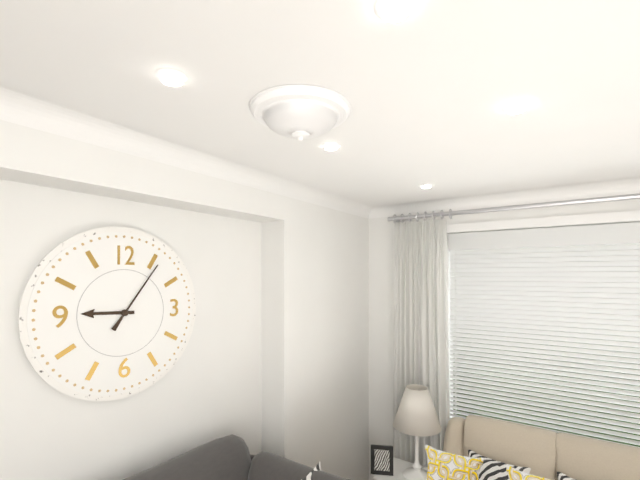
9.06
